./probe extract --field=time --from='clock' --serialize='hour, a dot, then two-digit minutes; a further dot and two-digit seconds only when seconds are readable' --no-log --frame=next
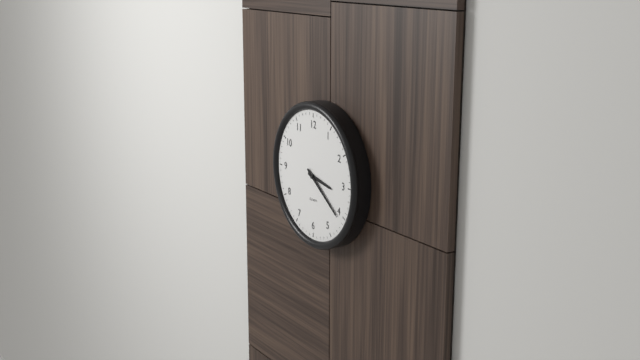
3.21
